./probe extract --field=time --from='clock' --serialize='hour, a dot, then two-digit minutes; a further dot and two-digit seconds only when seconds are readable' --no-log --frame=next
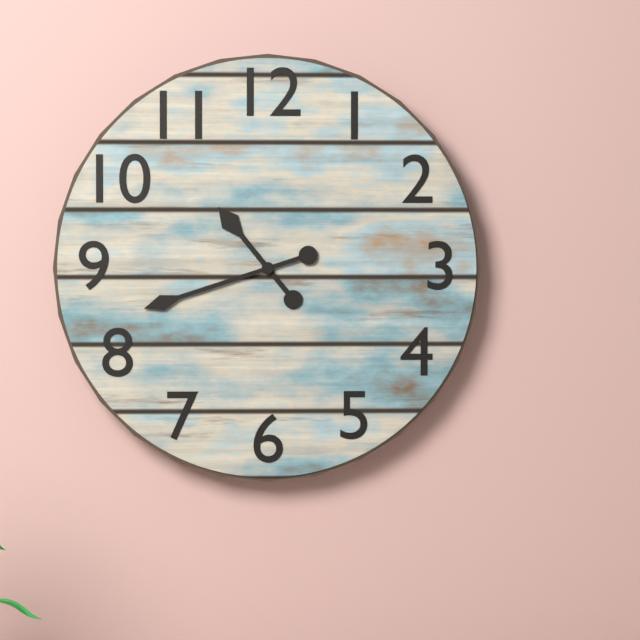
10.42
